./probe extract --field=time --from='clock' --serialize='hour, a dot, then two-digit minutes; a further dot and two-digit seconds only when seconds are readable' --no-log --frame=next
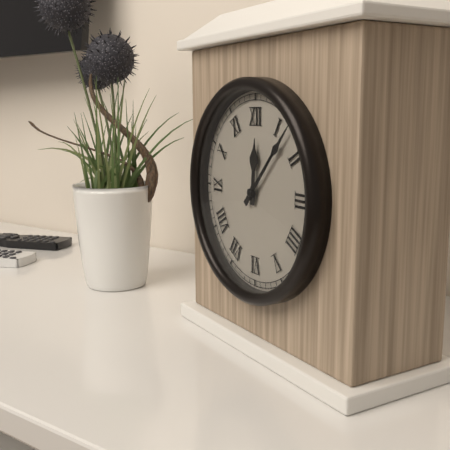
12.07
